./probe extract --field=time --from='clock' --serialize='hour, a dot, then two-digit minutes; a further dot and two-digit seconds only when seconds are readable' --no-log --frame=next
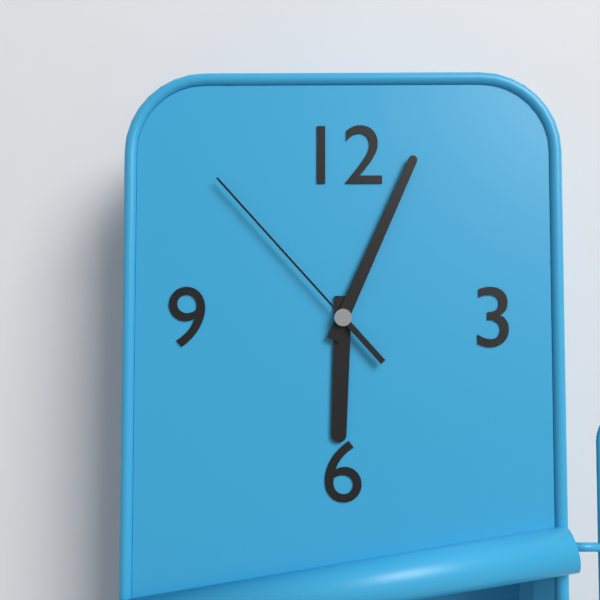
6.04.53
